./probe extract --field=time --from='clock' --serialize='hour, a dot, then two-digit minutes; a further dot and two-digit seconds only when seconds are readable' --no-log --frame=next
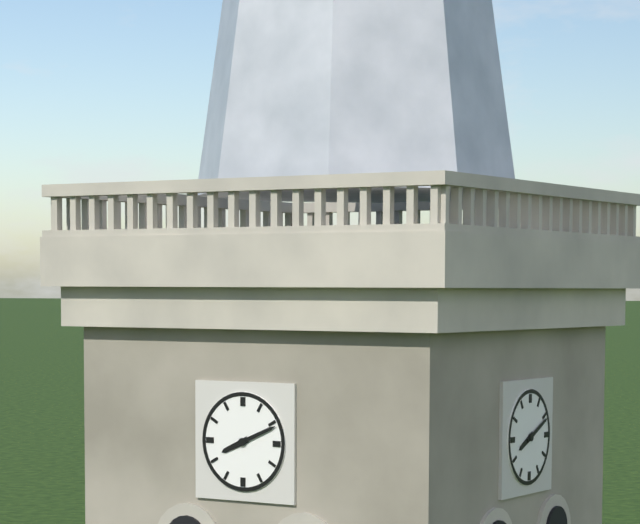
8.11
